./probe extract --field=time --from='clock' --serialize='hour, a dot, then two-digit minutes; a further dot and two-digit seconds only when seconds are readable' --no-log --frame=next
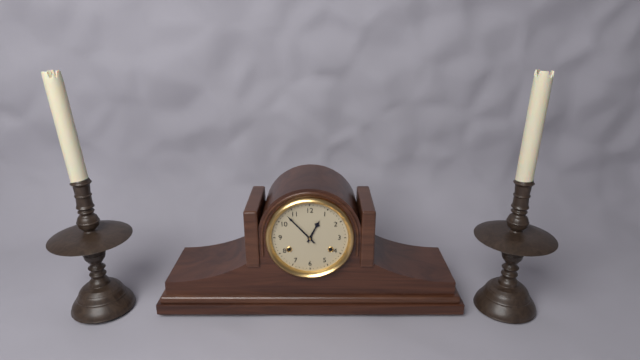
12.53
